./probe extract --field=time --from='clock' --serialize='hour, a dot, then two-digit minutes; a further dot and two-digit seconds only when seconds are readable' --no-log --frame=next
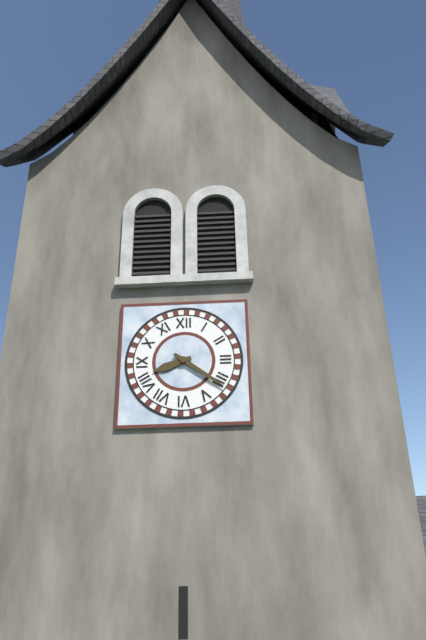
8.21
